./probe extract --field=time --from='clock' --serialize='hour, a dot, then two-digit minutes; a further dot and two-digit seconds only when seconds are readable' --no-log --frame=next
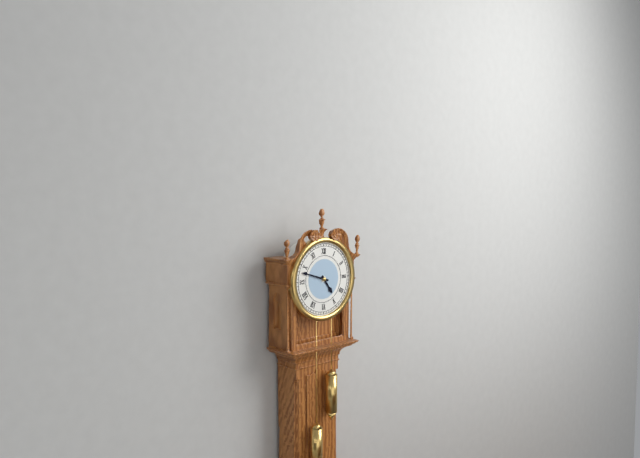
4.48
